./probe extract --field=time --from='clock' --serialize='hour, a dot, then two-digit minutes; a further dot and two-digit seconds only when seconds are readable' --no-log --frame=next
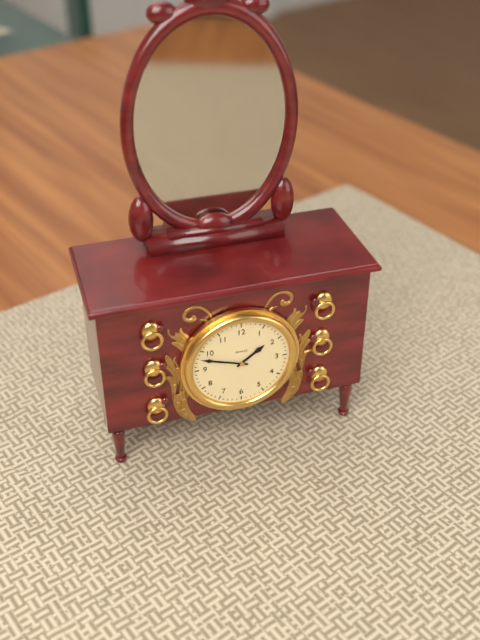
1.48
